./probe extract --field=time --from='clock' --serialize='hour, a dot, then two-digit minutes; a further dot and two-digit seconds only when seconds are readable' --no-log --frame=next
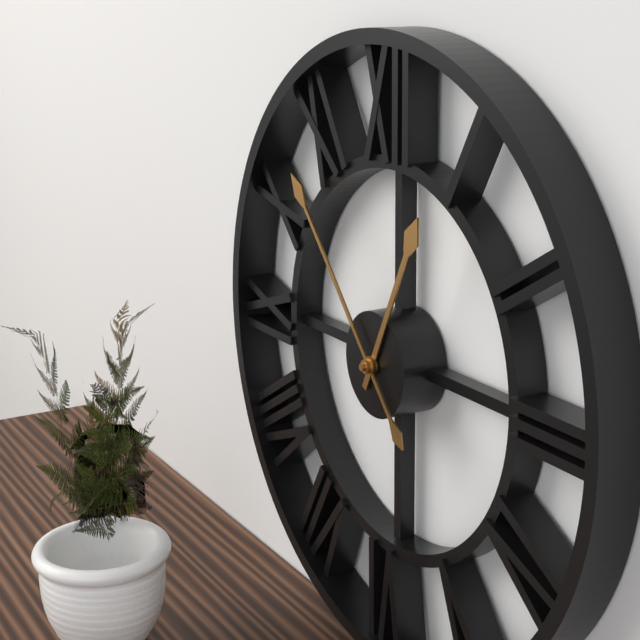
12.53
